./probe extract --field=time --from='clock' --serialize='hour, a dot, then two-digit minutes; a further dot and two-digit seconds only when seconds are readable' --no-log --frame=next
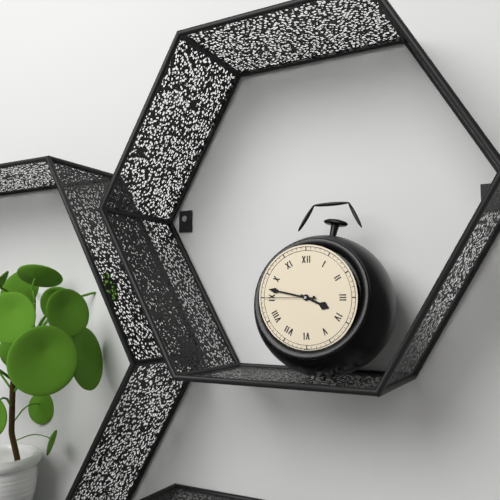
3.47.45
